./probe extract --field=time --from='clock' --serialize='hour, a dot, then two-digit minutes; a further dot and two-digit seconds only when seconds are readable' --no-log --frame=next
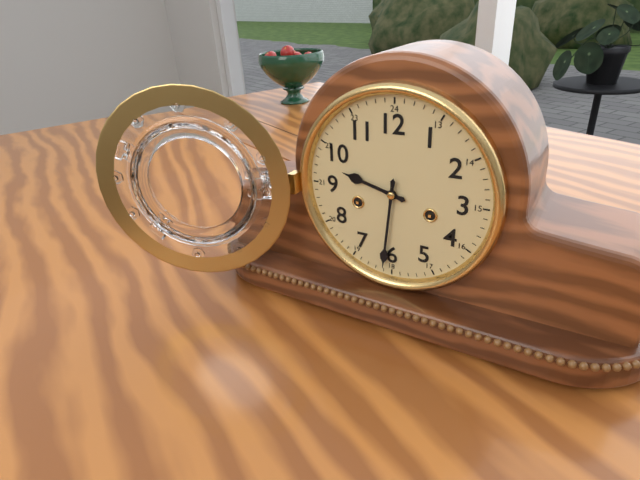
9.31
